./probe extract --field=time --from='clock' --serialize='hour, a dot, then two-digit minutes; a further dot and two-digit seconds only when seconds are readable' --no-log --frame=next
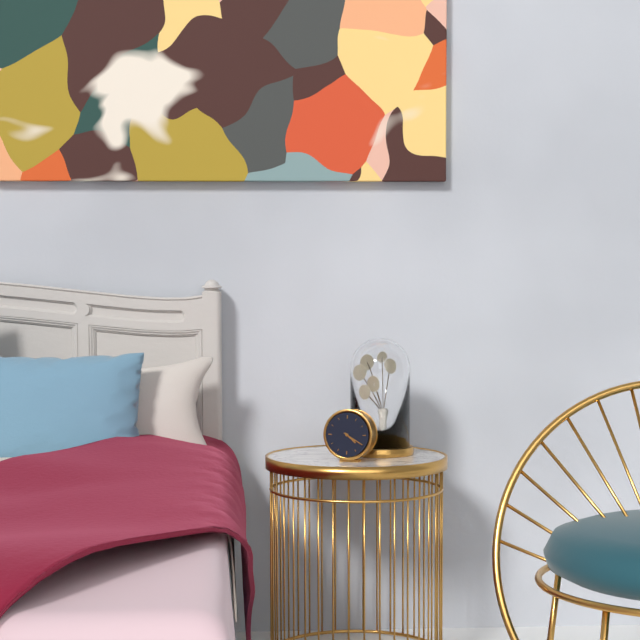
4.20
